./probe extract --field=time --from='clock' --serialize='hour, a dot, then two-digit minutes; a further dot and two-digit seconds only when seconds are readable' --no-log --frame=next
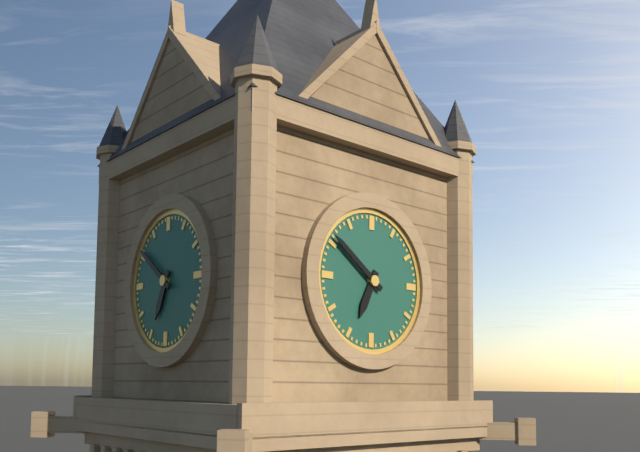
6.51
